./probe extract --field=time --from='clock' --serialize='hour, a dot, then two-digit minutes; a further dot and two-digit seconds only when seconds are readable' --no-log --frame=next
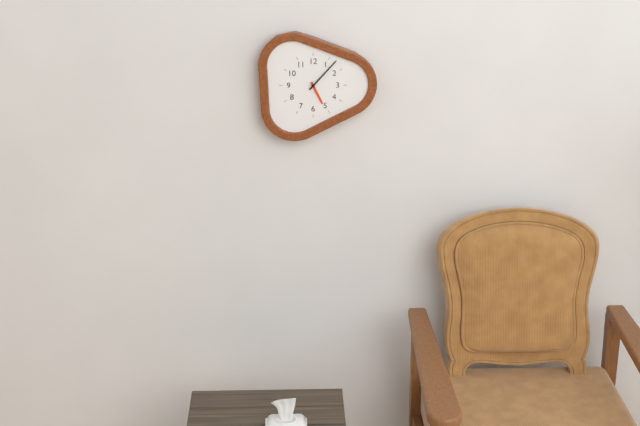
5.07
